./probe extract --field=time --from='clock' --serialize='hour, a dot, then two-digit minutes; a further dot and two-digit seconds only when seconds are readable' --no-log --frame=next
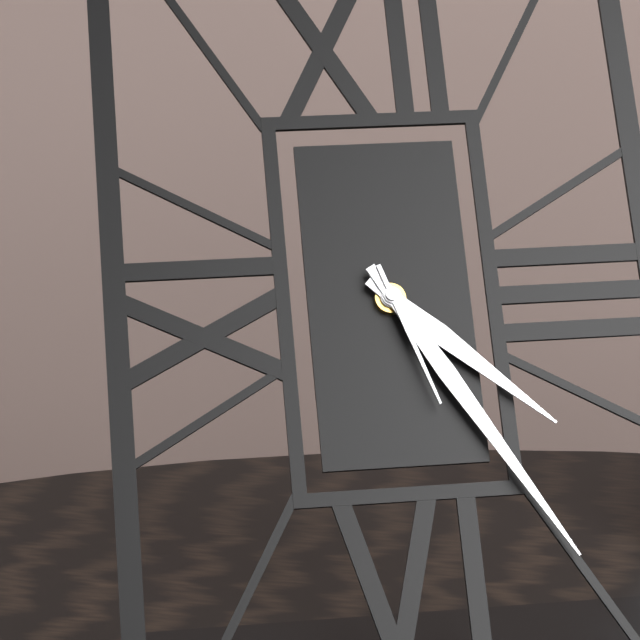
4.25.27
